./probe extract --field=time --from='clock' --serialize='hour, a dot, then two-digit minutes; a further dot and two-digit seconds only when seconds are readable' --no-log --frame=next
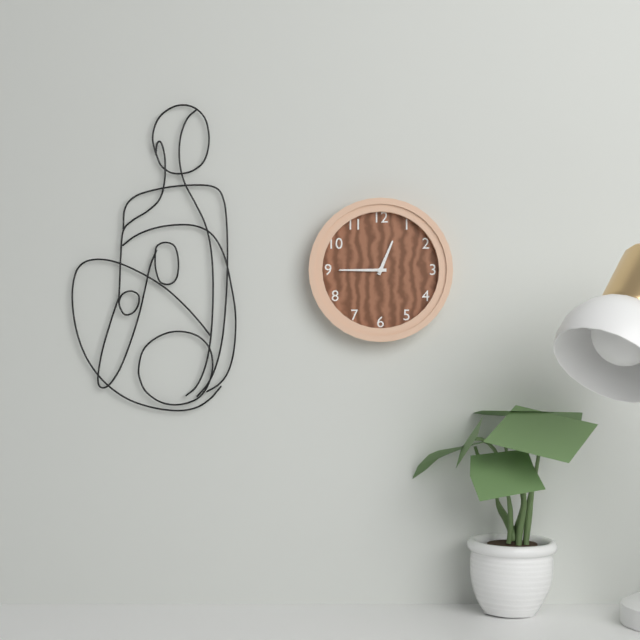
12.45
